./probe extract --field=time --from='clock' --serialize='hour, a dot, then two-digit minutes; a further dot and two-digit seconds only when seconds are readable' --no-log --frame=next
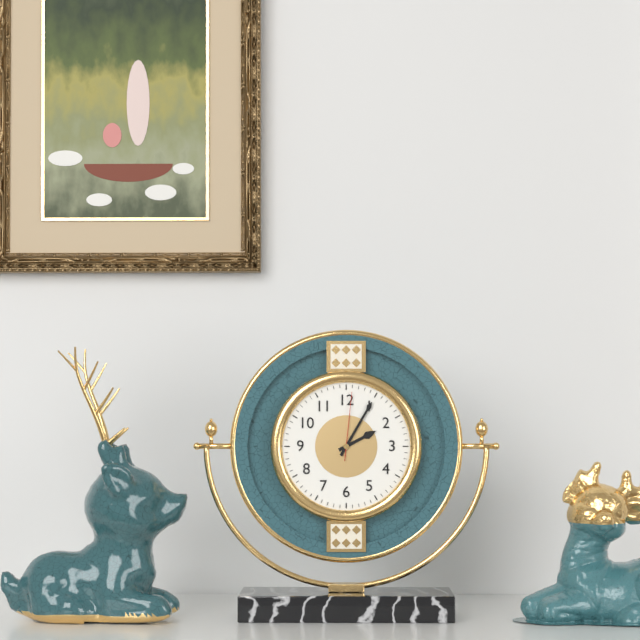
2.05.01
